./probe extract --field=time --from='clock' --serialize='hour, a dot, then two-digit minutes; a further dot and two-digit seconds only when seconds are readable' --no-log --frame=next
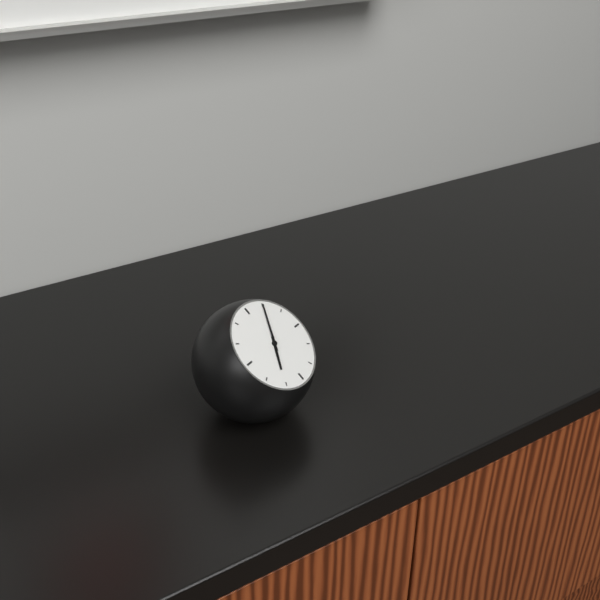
7.05
